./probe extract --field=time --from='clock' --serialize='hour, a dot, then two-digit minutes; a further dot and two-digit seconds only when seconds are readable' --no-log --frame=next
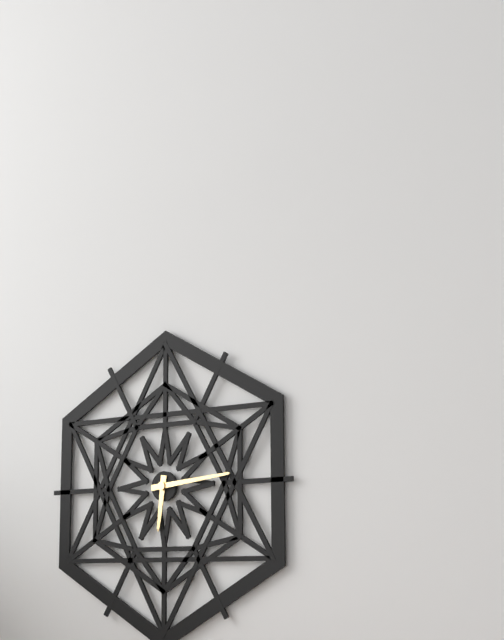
6.14
